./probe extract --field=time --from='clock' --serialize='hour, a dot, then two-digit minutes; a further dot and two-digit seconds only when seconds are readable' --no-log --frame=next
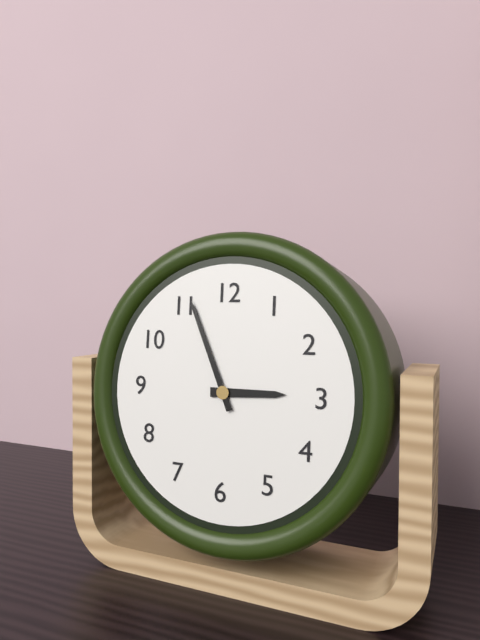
2.56
